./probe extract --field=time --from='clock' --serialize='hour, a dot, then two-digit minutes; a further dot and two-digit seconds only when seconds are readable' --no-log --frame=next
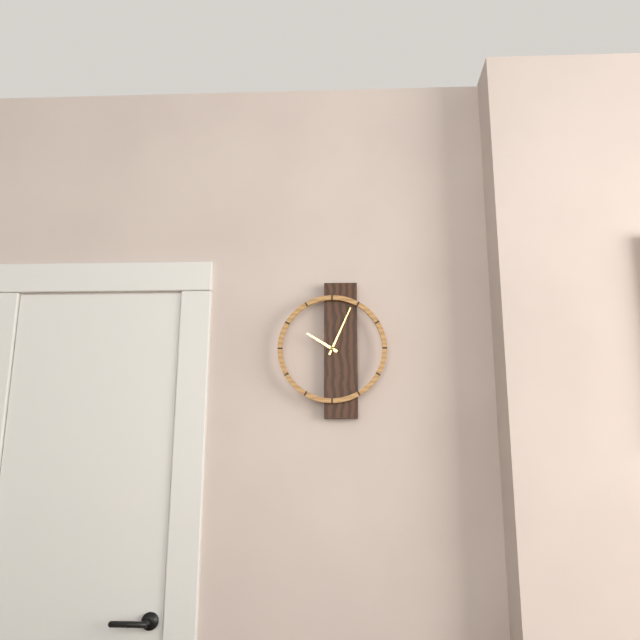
10.04
